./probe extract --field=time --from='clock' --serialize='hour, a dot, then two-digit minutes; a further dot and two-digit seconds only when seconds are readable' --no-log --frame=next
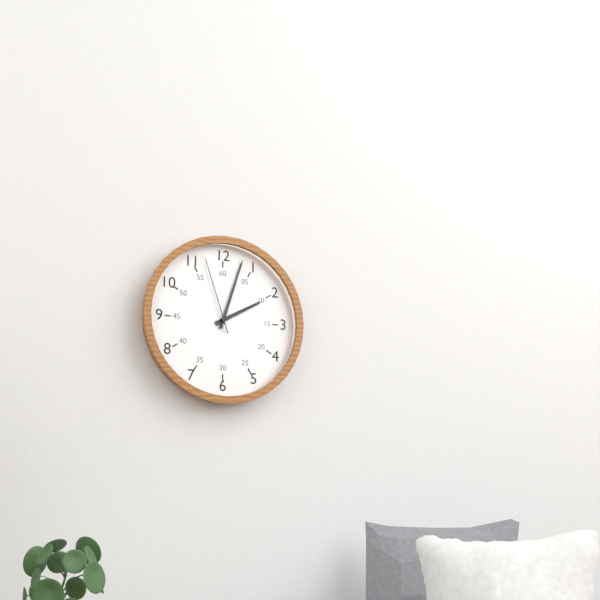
2.03.57
